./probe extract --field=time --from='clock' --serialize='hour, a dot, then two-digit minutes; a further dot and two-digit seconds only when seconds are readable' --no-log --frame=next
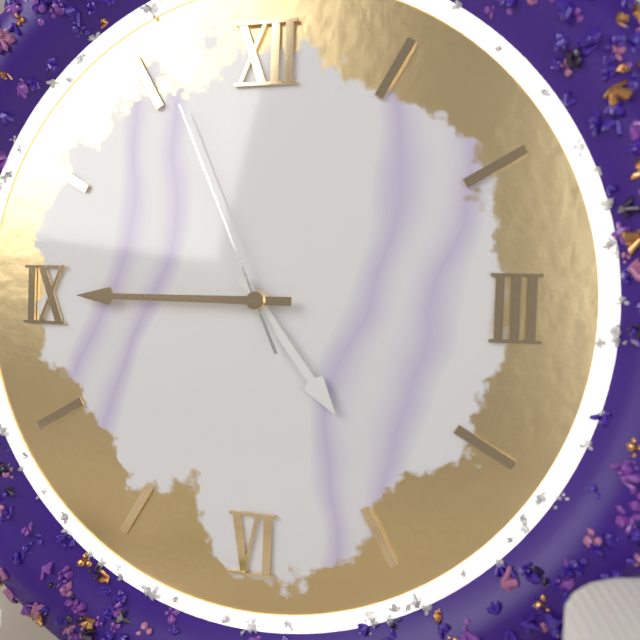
4.45.56
